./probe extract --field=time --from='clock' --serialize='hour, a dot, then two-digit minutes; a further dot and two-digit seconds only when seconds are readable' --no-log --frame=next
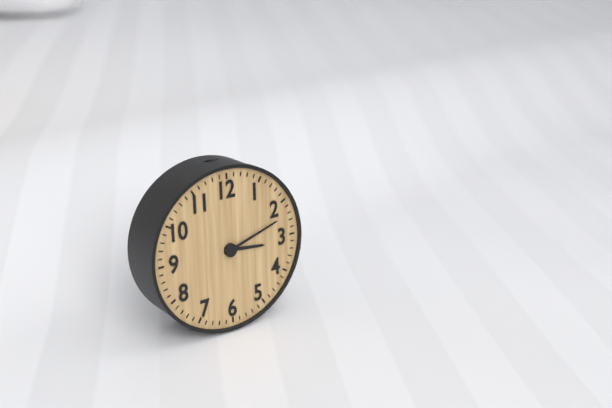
3.12
